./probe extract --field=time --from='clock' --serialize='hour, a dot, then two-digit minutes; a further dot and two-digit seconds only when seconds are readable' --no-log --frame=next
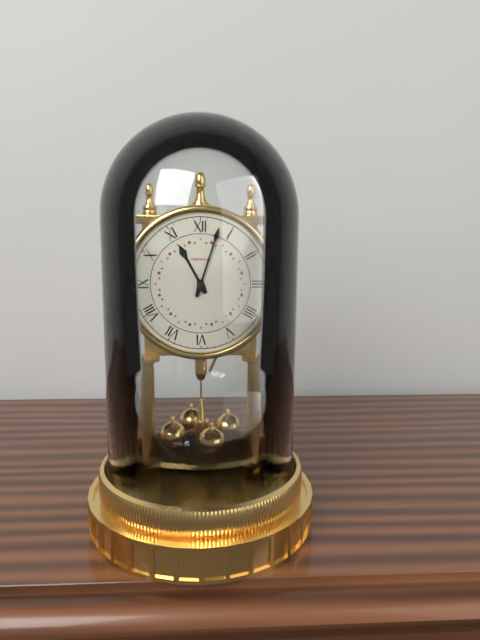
11.03
